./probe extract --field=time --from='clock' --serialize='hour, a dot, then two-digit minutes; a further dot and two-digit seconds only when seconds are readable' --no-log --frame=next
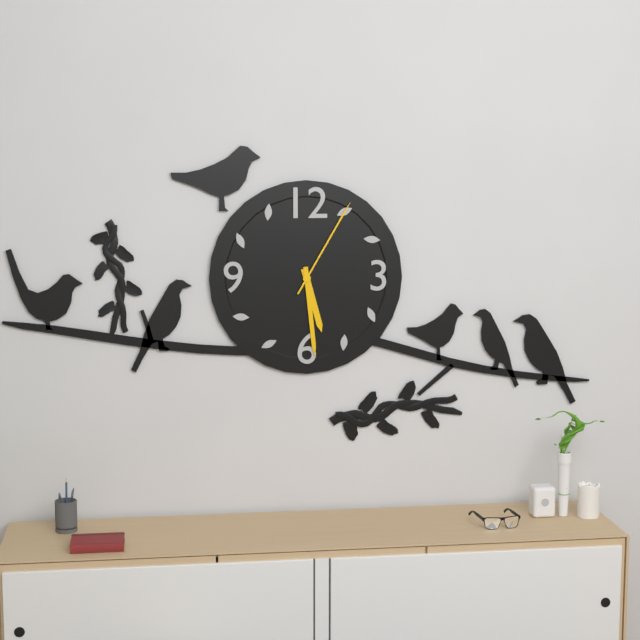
5.29.05
